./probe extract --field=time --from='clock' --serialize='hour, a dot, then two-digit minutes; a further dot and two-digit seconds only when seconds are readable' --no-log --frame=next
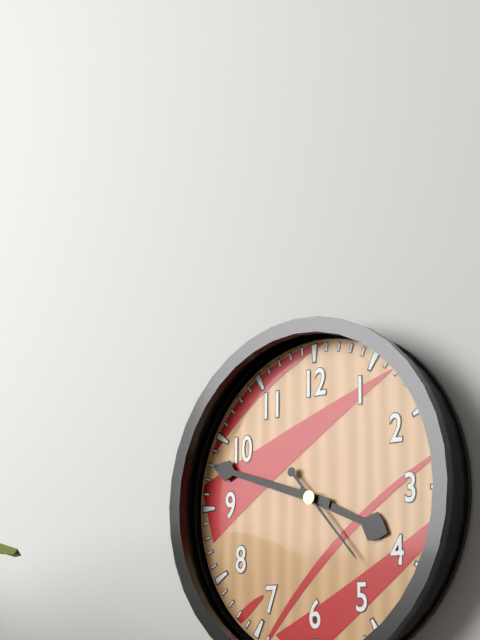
3.48.23
